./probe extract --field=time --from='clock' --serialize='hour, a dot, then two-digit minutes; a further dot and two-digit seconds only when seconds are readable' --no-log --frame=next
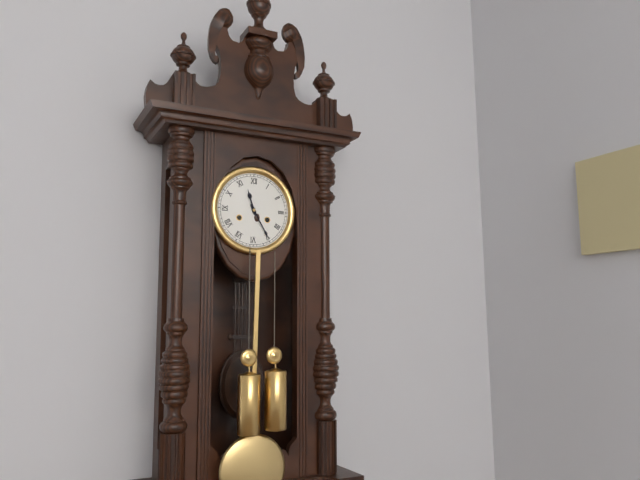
11.25
